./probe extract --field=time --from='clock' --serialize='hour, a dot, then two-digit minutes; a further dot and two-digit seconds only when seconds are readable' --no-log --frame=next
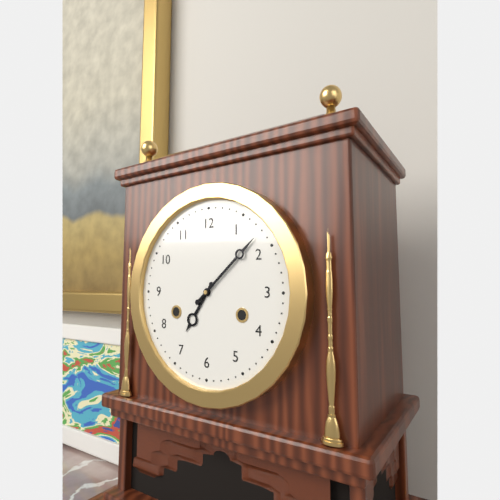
7.08
